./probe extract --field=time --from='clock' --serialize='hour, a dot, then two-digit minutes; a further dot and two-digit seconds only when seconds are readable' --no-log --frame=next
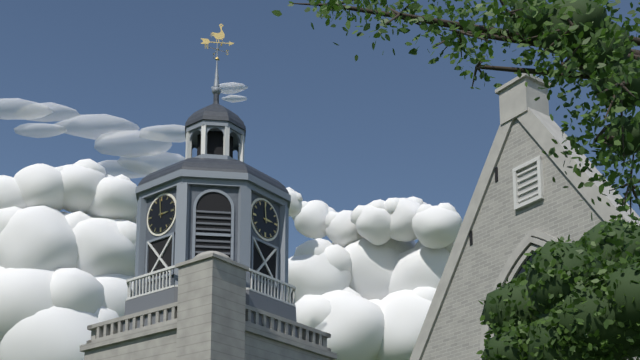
2.59
